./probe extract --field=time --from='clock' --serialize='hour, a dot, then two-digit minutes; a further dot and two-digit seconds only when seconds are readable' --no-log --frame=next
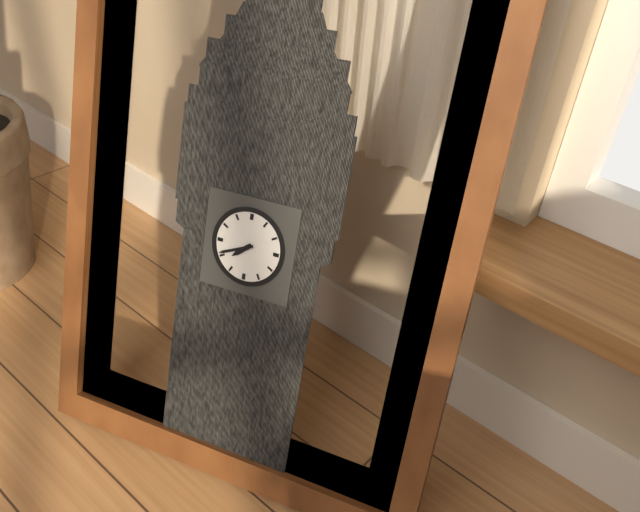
7.41
